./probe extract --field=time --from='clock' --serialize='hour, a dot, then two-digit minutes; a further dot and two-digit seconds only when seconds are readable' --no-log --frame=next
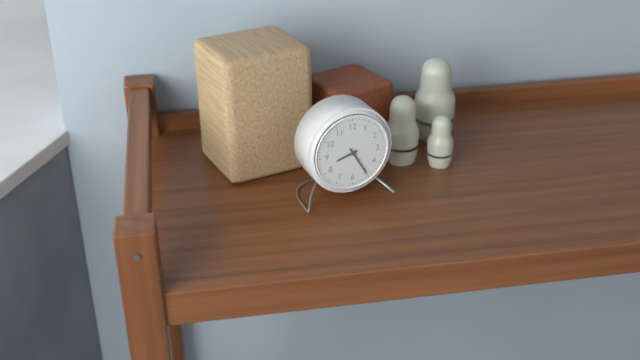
8.25
